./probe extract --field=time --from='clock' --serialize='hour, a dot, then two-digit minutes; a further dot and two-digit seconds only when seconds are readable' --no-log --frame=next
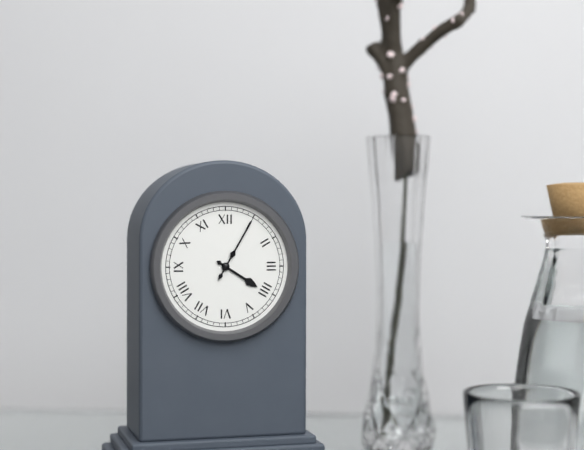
4.05
